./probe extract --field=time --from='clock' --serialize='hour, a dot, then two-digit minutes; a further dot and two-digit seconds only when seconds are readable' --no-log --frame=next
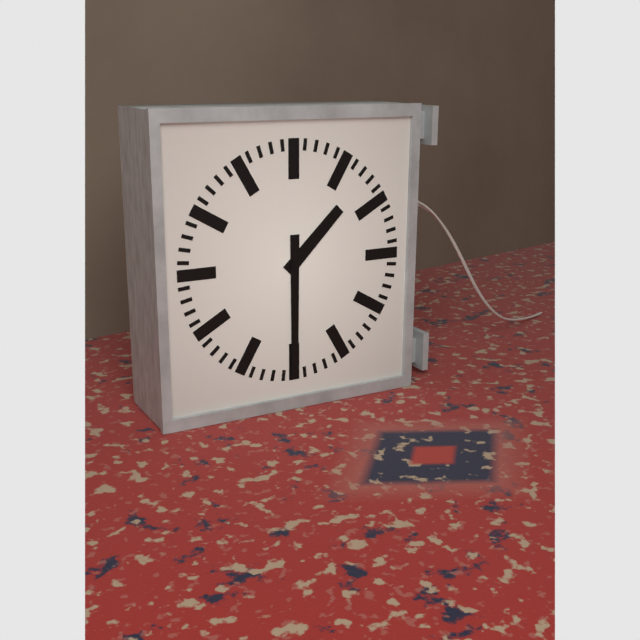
1.30
